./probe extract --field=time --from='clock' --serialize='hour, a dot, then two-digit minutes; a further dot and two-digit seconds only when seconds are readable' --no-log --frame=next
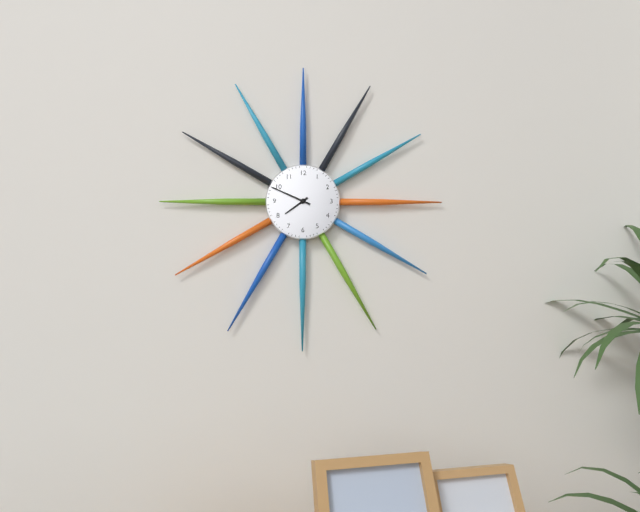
7.49
